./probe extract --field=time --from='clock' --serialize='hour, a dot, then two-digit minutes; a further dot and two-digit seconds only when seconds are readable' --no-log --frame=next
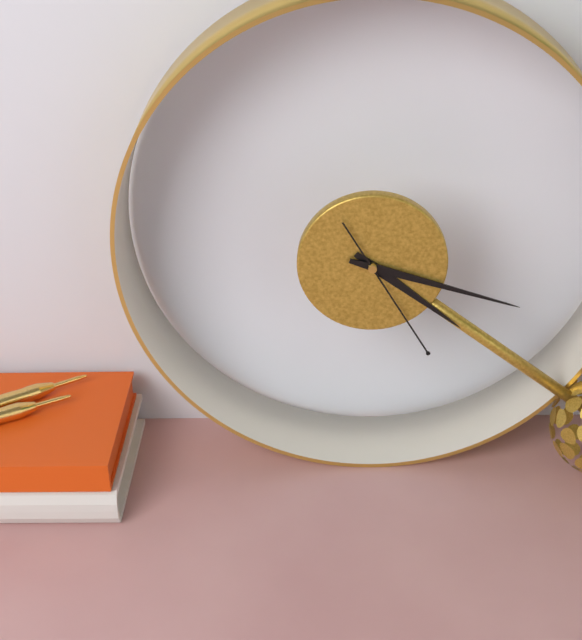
4.18.25
